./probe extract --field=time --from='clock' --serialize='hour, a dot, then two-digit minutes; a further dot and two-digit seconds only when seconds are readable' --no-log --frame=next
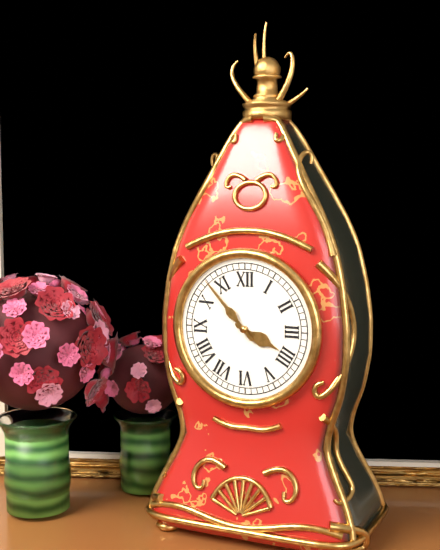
3.53
